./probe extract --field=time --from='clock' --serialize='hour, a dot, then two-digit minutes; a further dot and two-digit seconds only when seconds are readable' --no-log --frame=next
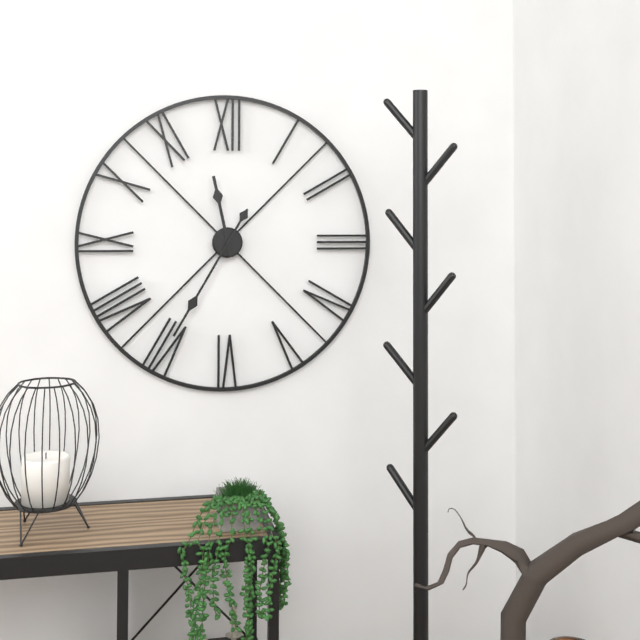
11.35
